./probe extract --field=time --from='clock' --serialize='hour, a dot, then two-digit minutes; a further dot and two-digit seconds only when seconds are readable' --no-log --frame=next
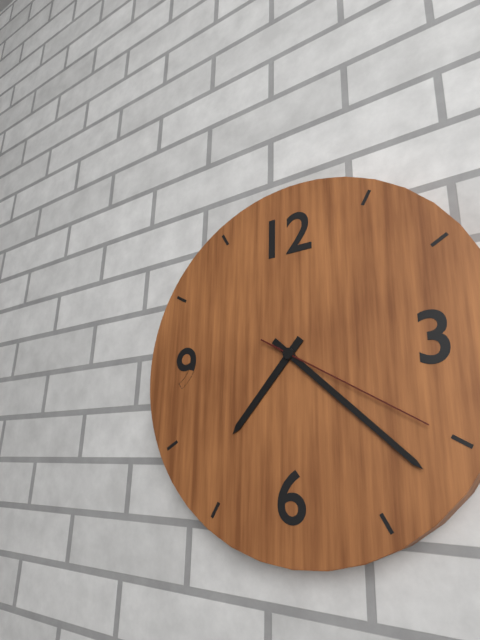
7.22.20
